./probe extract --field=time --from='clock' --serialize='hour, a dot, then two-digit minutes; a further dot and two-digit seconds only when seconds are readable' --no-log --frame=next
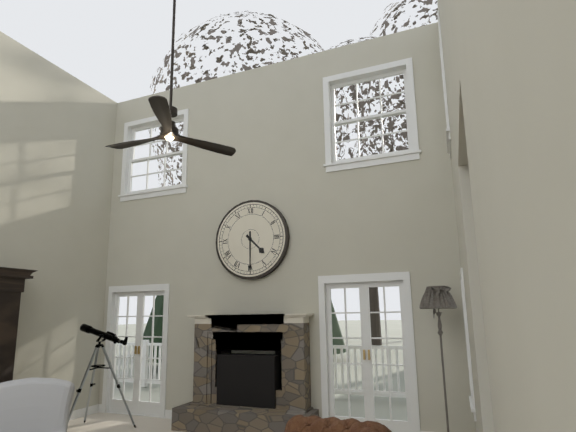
4.30
